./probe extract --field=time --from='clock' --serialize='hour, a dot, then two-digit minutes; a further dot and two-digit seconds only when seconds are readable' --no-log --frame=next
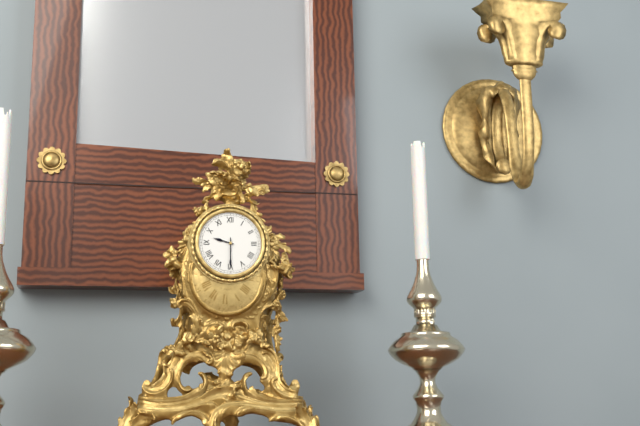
9.30
